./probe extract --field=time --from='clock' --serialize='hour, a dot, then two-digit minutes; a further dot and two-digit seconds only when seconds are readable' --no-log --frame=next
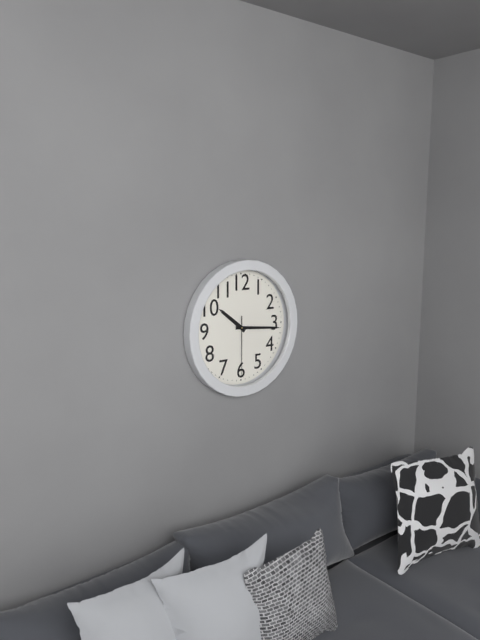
10.16.30
